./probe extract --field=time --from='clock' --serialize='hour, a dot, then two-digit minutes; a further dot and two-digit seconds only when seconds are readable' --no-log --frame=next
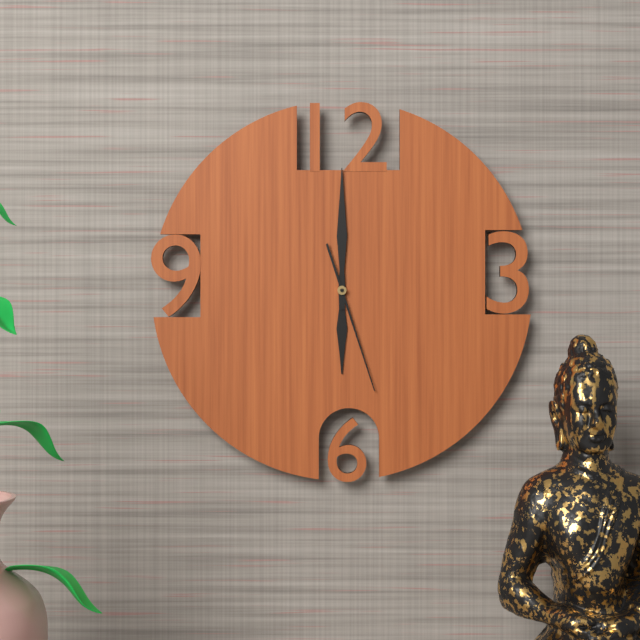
6.00.27
